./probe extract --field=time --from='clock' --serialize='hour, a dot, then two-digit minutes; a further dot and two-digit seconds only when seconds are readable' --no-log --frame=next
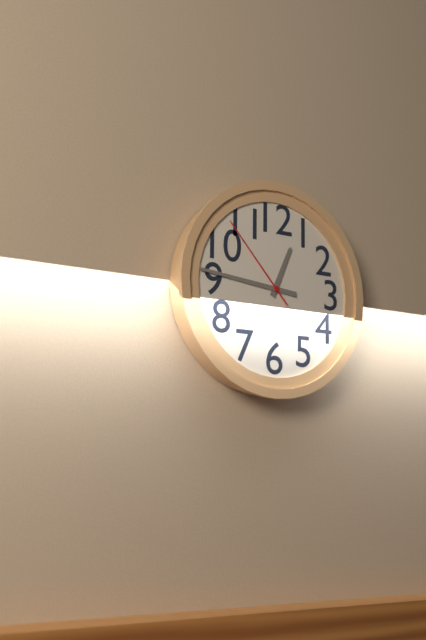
12.46.53
